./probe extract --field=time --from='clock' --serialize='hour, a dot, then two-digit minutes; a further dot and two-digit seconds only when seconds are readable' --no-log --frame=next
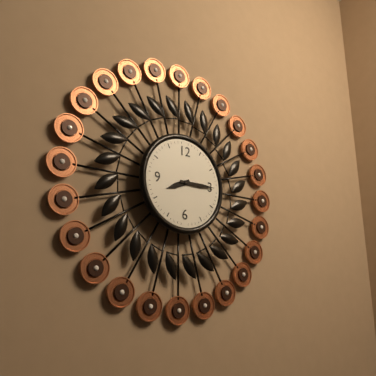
8.15
